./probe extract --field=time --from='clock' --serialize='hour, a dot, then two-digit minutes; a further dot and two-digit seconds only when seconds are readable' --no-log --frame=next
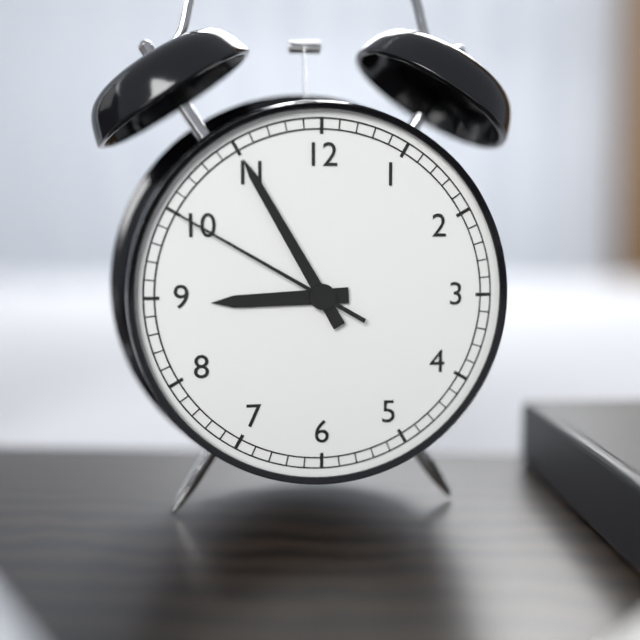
8.55.50
